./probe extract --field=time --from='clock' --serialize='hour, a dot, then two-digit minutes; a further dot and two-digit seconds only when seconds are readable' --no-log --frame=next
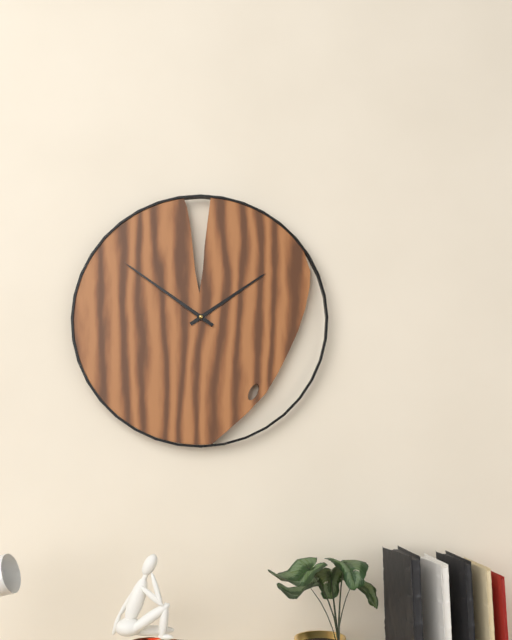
1.51
